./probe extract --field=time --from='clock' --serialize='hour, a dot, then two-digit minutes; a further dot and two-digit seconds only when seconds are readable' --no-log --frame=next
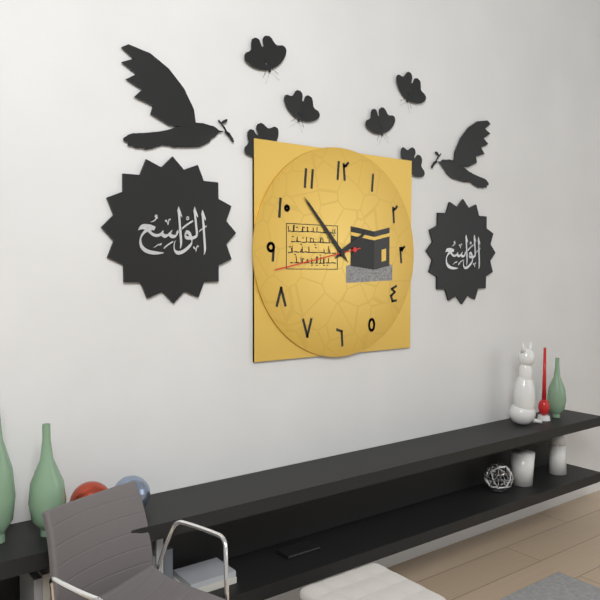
1.53.43
